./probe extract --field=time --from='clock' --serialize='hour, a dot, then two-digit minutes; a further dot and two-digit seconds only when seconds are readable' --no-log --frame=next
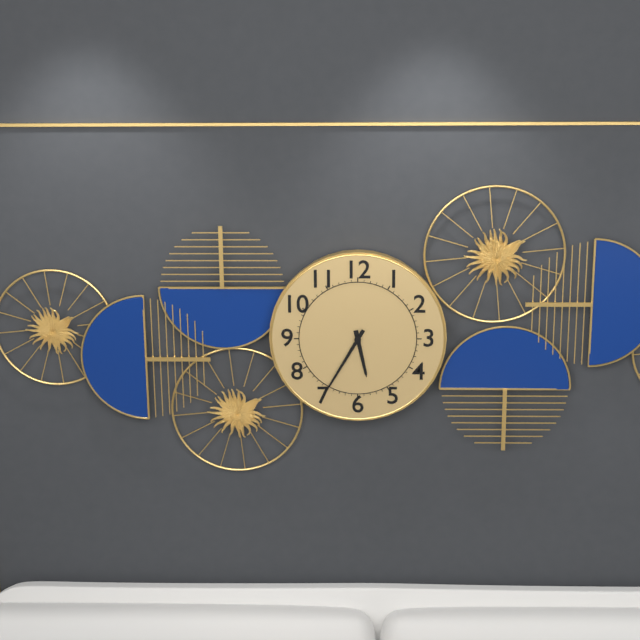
5.35
